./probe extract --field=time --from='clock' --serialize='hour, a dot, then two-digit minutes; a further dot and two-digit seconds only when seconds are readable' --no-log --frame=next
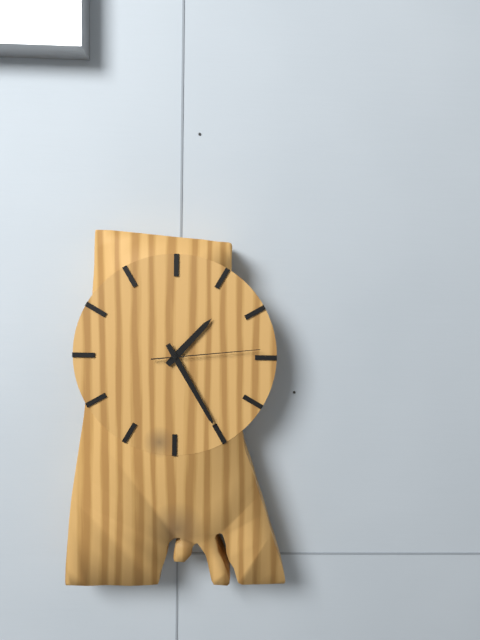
1.25.14
